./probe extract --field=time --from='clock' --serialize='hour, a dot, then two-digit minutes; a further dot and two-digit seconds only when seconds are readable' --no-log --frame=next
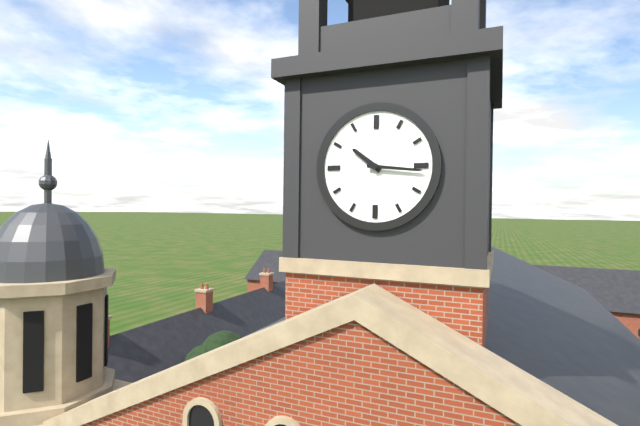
10.16
